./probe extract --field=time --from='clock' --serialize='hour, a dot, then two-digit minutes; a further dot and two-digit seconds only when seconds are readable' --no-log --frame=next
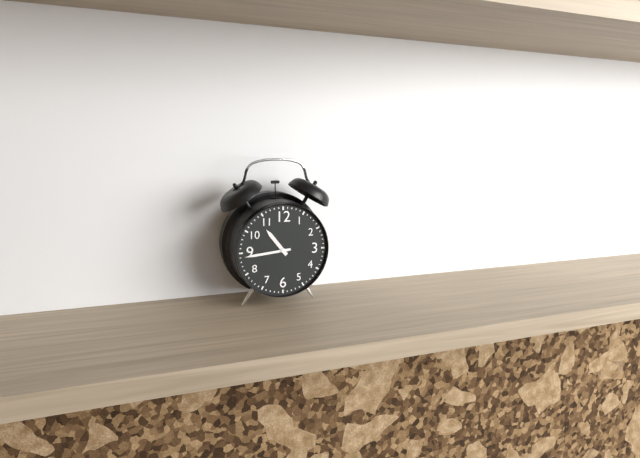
10.44
